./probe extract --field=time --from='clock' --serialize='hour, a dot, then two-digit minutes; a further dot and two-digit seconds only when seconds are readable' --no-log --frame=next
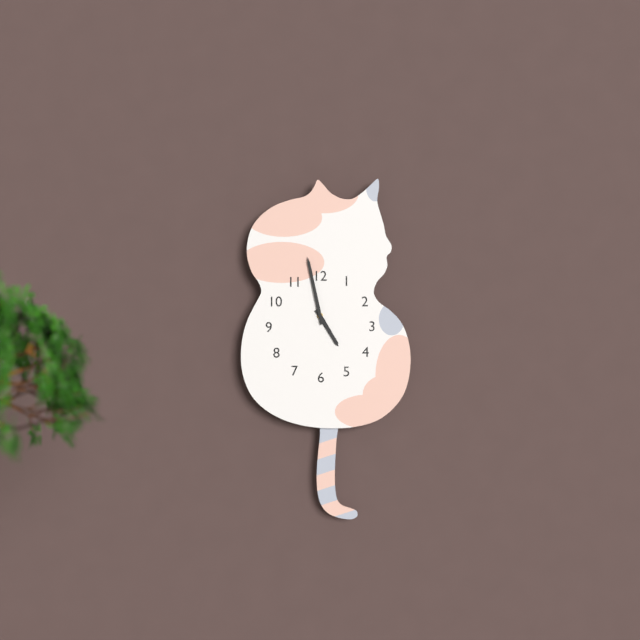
4.58
